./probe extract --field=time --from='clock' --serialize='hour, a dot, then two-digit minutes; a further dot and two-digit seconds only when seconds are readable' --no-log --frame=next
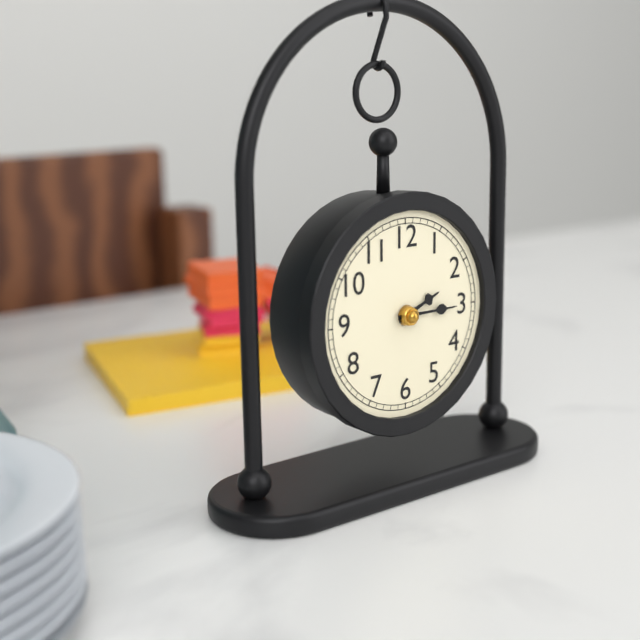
2.15
